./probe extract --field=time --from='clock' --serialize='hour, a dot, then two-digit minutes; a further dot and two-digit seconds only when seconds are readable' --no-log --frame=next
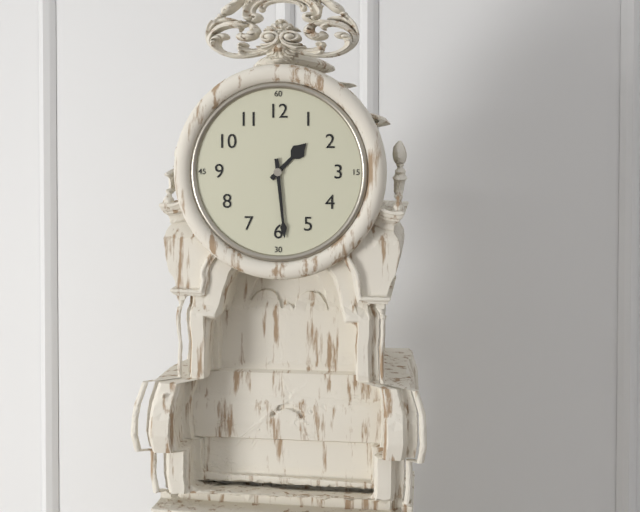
1.29
